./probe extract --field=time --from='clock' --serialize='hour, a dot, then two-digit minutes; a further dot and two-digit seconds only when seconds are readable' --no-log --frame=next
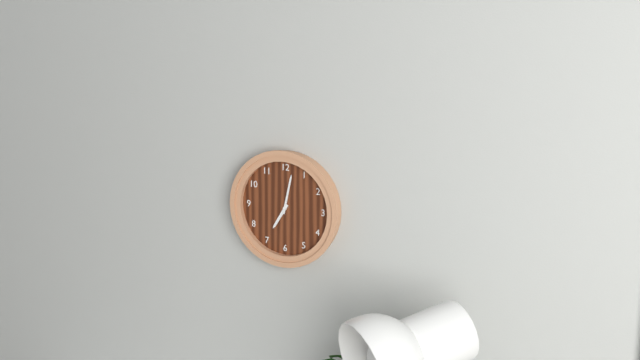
7.02
